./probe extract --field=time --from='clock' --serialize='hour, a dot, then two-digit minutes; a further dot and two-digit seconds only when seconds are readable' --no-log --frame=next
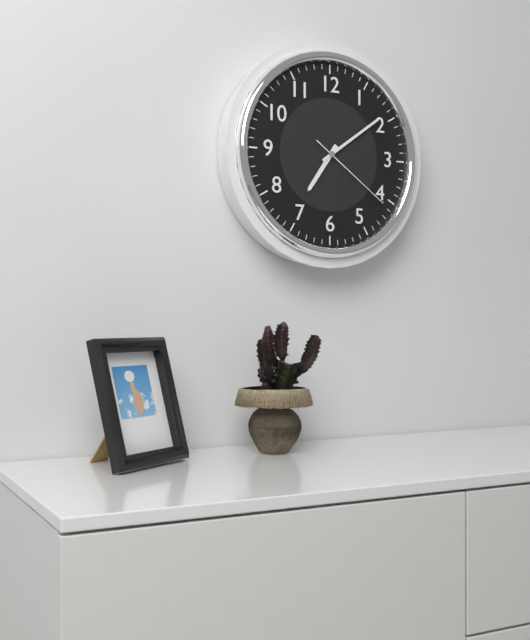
7.09.21
